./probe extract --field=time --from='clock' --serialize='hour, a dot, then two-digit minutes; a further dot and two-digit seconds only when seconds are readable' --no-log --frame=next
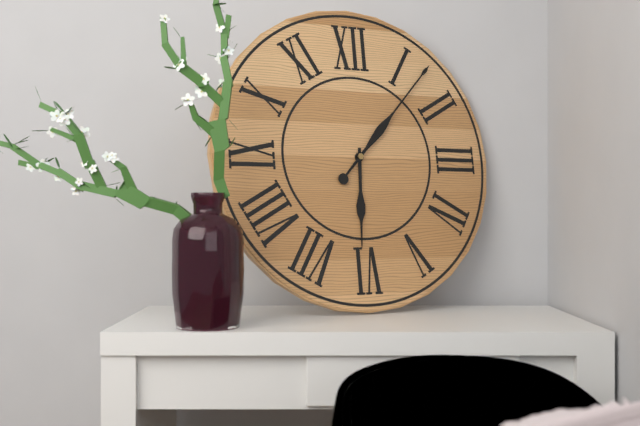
6.07
